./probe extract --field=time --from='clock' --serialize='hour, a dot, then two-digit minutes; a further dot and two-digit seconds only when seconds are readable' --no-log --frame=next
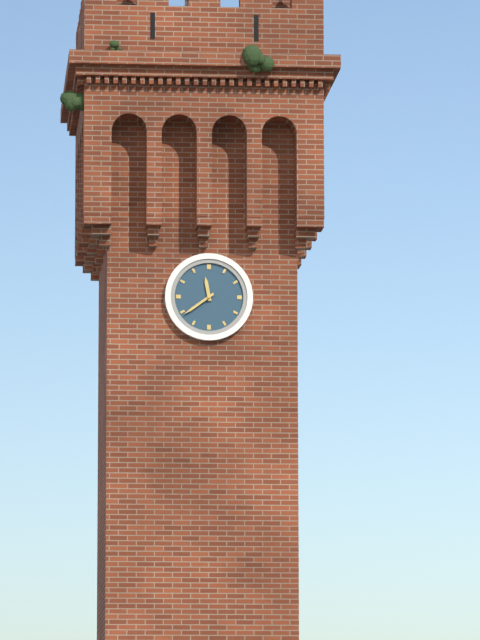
11.39
